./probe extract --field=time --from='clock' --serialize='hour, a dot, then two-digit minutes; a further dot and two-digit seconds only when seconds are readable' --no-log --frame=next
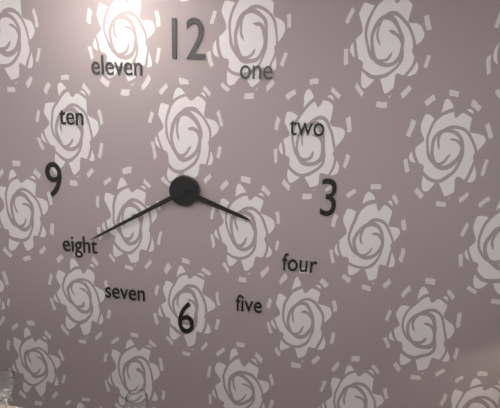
3.40
